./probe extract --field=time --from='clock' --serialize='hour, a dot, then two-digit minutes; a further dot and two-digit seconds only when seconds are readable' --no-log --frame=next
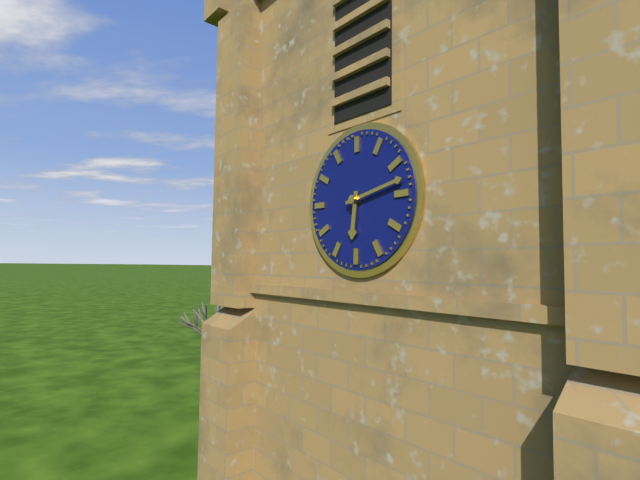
6.13
